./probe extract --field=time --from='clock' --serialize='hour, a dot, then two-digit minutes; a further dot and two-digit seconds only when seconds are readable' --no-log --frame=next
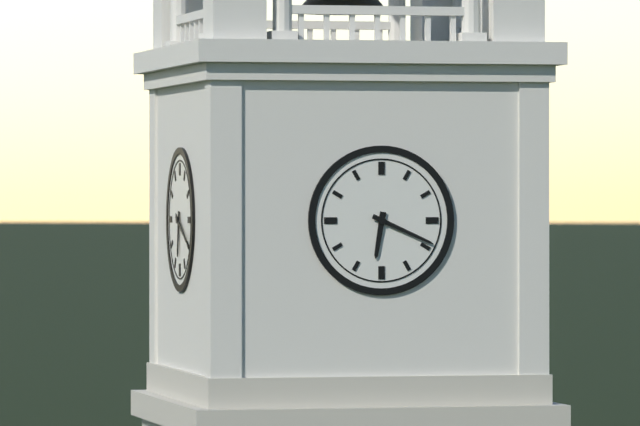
6.19
